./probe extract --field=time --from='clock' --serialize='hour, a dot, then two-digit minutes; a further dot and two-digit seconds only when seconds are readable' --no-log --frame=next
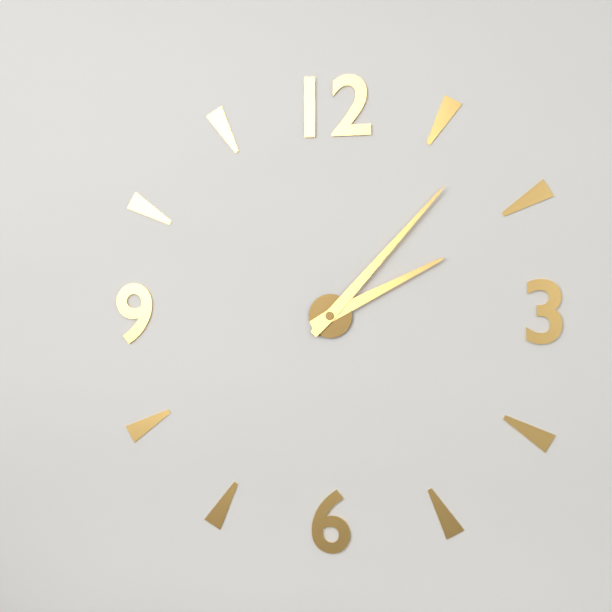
2.07
